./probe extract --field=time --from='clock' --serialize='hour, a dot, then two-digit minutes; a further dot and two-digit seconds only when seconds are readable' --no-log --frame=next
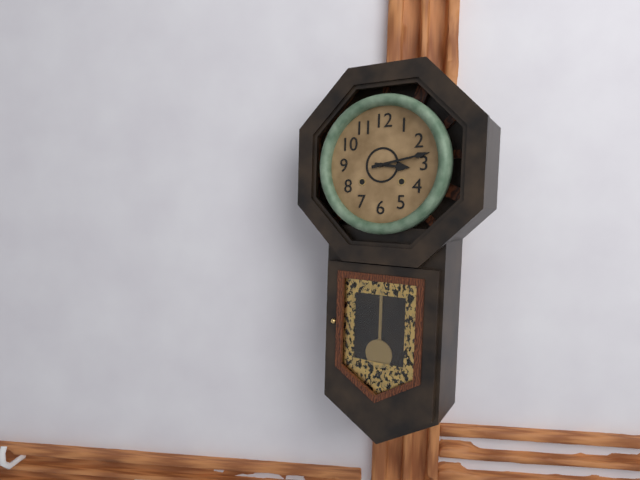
3.13
